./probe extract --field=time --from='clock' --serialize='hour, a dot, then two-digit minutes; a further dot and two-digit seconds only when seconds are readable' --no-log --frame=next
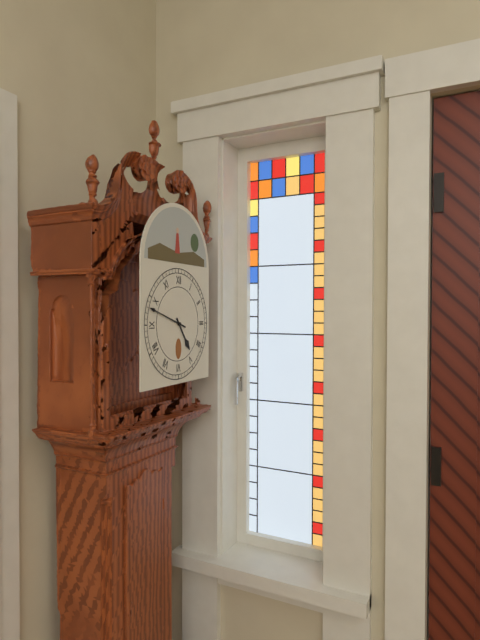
4.48
